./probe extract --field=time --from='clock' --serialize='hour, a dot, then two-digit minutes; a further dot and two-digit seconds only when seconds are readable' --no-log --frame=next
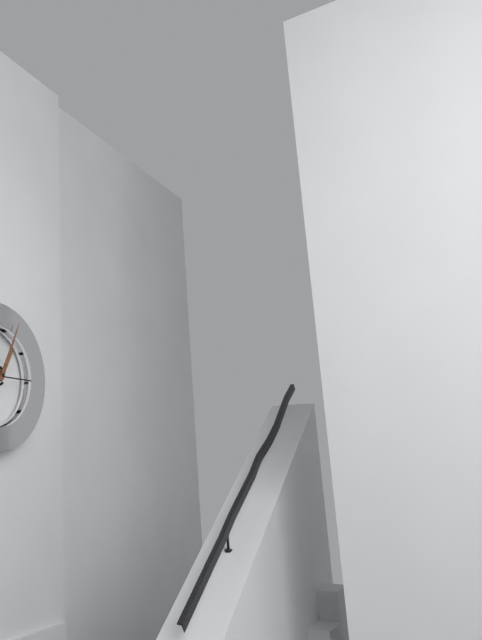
1.04
